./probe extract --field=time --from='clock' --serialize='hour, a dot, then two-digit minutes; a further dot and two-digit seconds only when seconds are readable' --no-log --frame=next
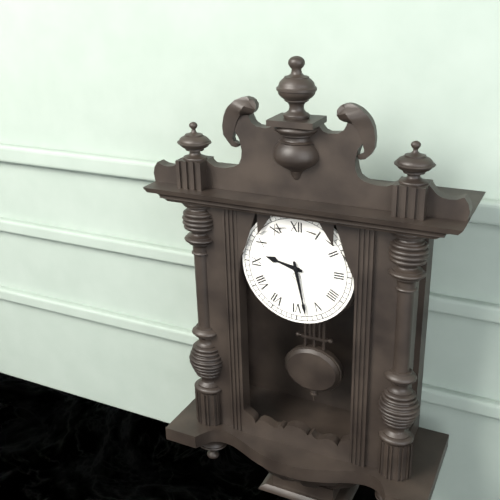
9.28
